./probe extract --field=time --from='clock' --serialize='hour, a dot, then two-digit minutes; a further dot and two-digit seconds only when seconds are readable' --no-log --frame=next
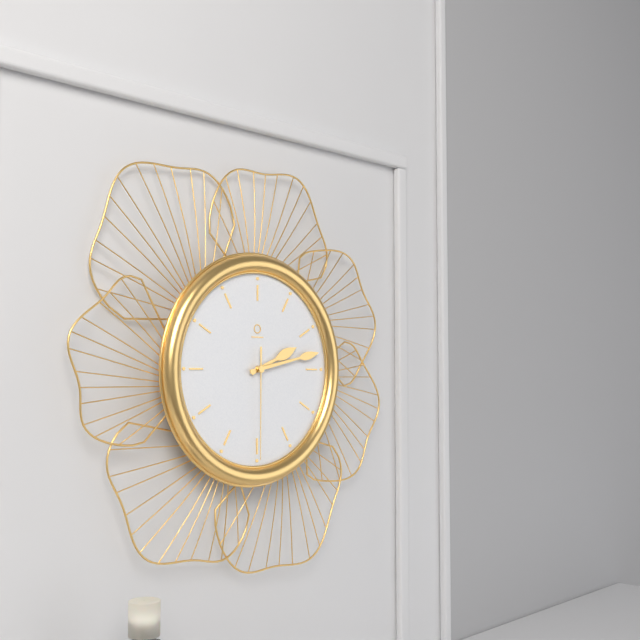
2.13.30
